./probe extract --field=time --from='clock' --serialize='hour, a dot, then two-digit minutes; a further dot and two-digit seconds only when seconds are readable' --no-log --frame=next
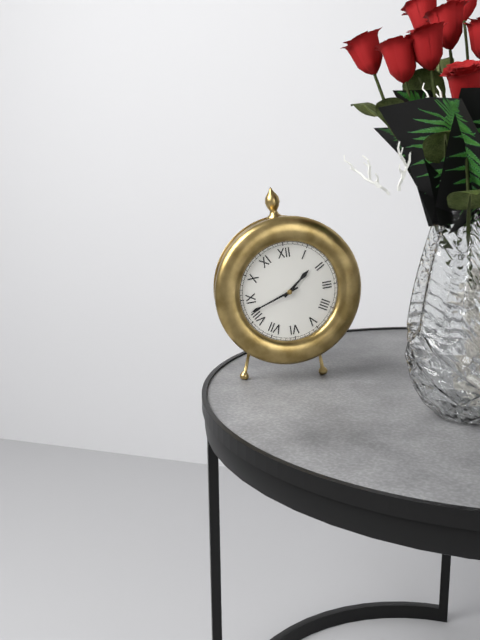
1.42
